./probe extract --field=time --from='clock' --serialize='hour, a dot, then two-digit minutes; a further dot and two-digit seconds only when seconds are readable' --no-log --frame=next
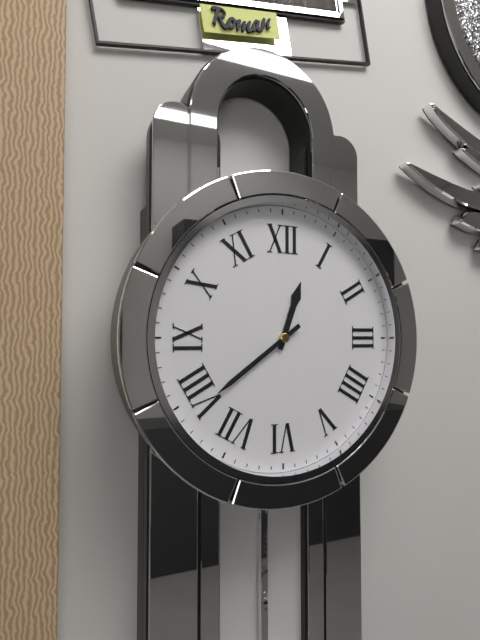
12.39
